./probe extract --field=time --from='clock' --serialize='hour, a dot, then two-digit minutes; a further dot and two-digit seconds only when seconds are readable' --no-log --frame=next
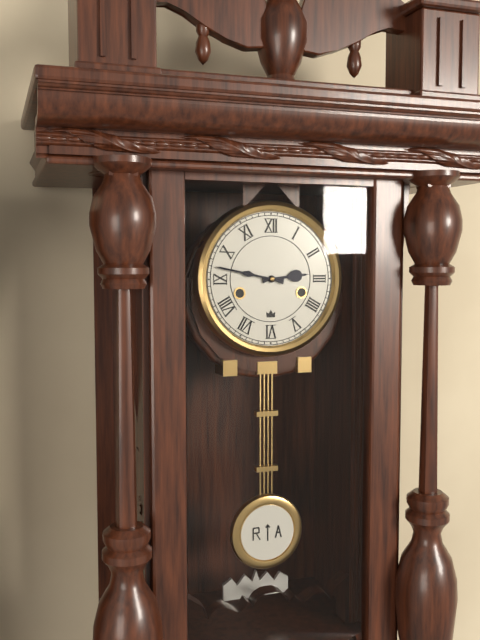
2.47
